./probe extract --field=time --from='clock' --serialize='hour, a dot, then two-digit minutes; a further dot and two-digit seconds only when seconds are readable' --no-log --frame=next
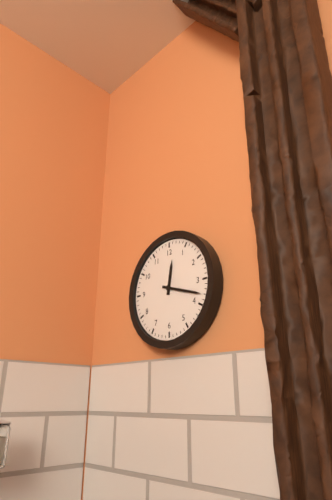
12.18
